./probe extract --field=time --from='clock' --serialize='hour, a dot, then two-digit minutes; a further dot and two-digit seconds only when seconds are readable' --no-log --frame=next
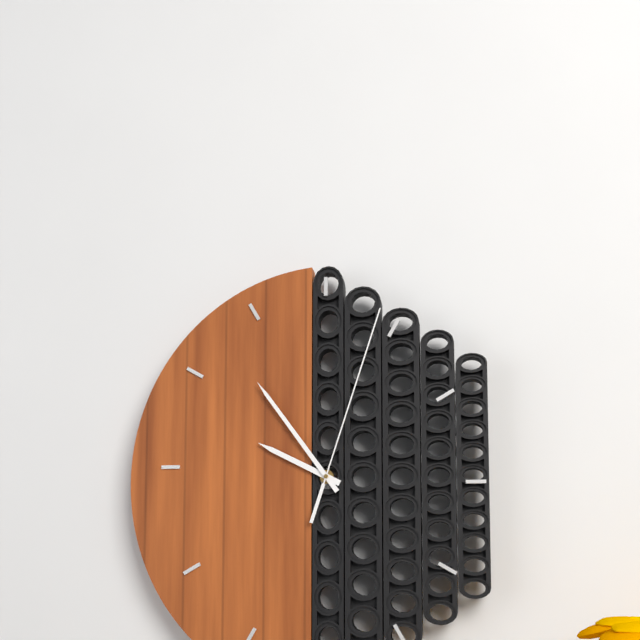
9.54.03
